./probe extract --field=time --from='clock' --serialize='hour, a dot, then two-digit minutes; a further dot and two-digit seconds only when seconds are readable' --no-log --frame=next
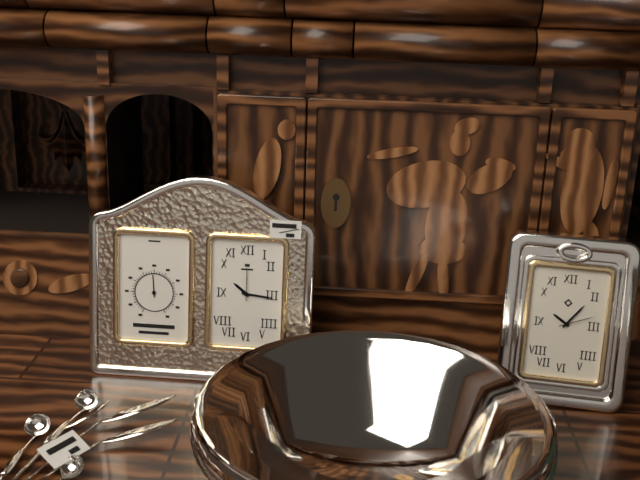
10.16
